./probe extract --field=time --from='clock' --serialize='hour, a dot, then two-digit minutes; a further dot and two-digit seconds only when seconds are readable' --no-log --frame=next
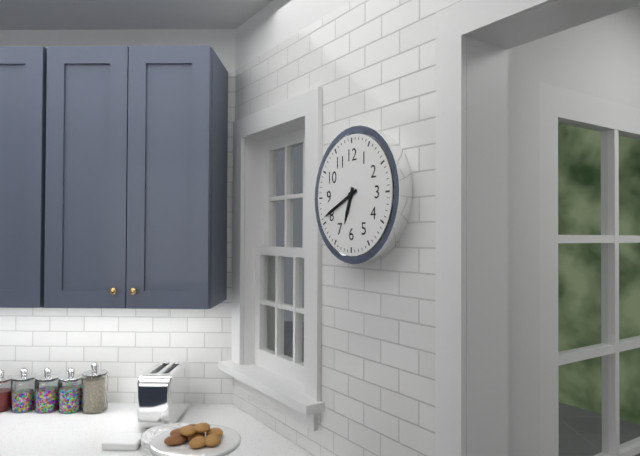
6.41
